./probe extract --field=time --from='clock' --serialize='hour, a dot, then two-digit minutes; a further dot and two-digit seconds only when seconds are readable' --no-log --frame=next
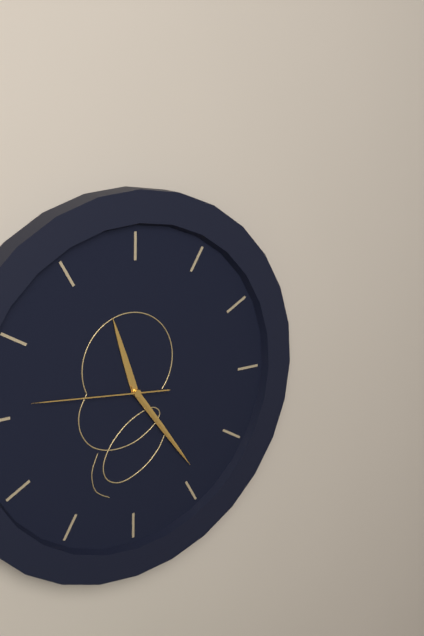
11.24.46
